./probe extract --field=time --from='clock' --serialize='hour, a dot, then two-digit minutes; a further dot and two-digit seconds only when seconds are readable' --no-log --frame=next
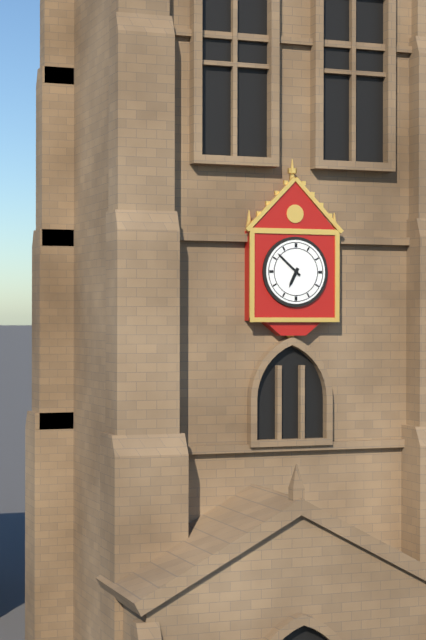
6.52
